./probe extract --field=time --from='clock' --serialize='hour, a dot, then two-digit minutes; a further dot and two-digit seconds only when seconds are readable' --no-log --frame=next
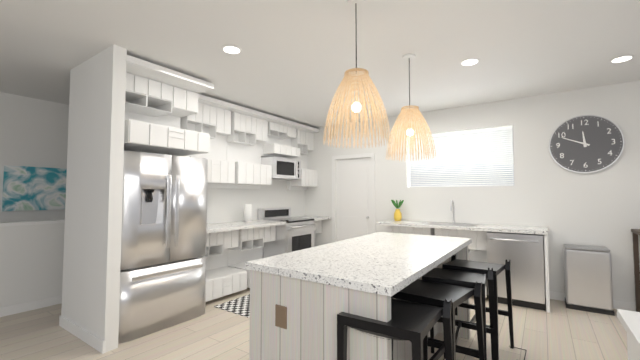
11.49
